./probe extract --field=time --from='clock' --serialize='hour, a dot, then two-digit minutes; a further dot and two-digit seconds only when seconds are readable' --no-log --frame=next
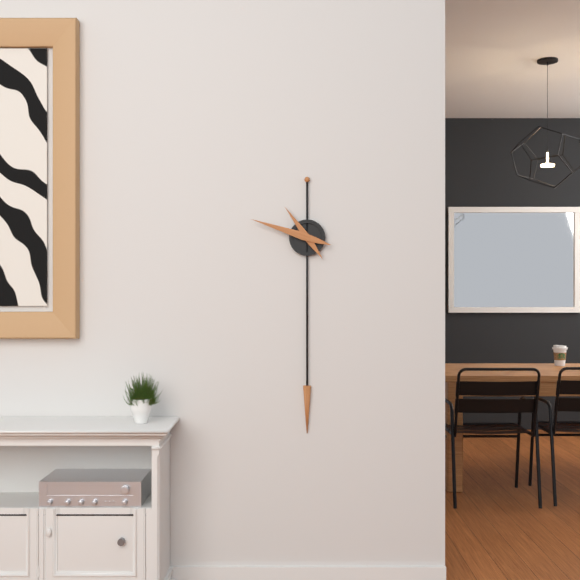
10.48
